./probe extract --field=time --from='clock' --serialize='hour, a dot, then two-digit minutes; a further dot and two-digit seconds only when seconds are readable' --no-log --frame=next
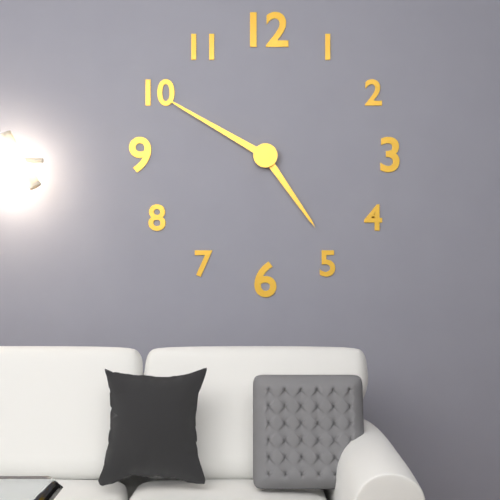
4.50
